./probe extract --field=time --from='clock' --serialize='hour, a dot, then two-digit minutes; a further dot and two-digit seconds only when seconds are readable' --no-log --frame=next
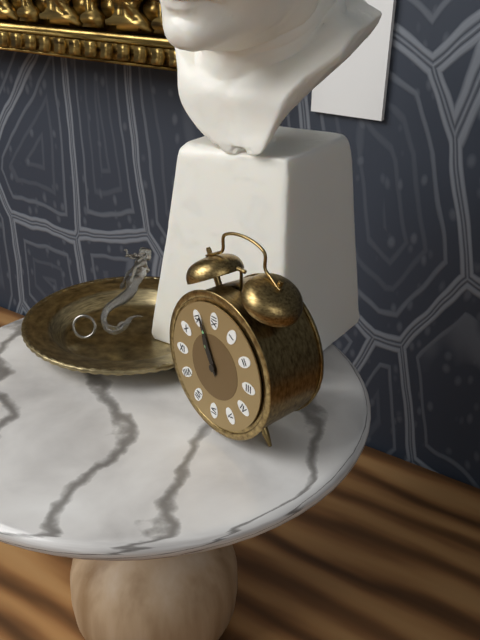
10.56
